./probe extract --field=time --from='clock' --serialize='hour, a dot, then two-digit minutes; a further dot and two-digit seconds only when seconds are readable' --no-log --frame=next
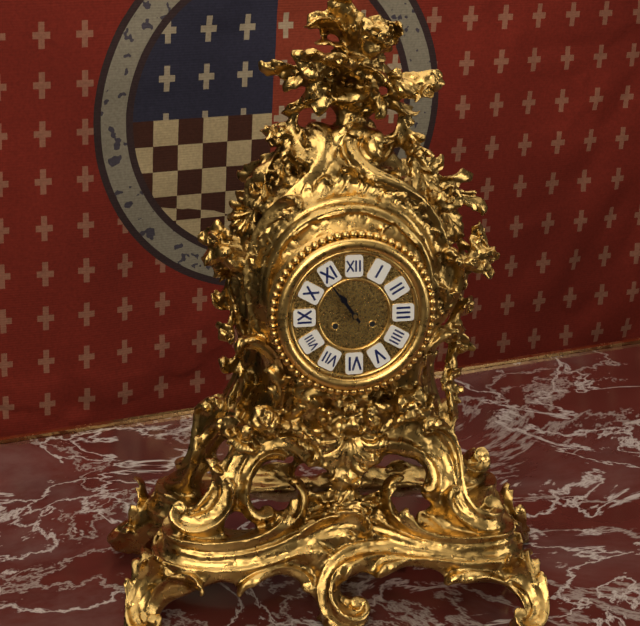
10.54
